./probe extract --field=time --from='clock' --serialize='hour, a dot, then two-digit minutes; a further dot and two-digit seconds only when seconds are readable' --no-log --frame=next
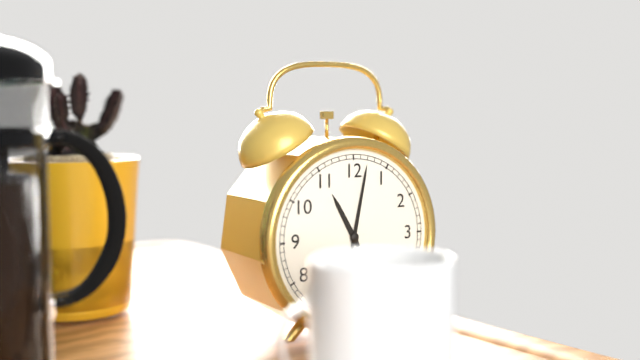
11.02
